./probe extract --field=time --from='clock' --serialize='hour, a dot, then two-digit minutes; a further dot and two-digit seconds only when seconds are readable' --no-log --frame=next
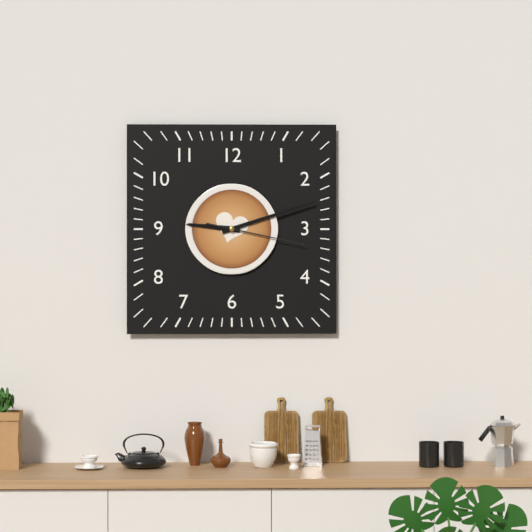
9.12.17
